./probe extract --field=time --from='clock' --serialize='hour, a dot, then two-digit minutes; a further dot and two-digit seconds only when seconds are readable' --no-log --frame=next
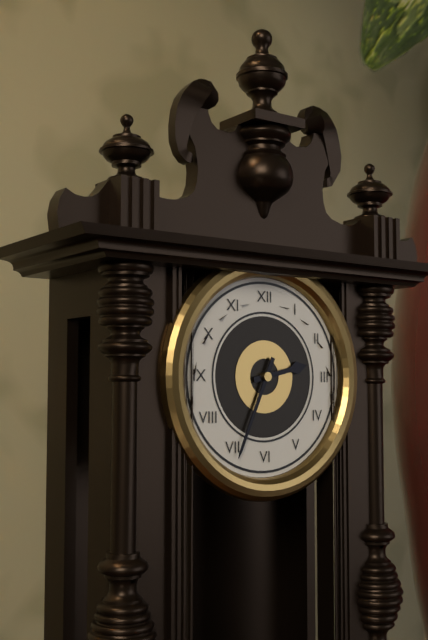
2.34
